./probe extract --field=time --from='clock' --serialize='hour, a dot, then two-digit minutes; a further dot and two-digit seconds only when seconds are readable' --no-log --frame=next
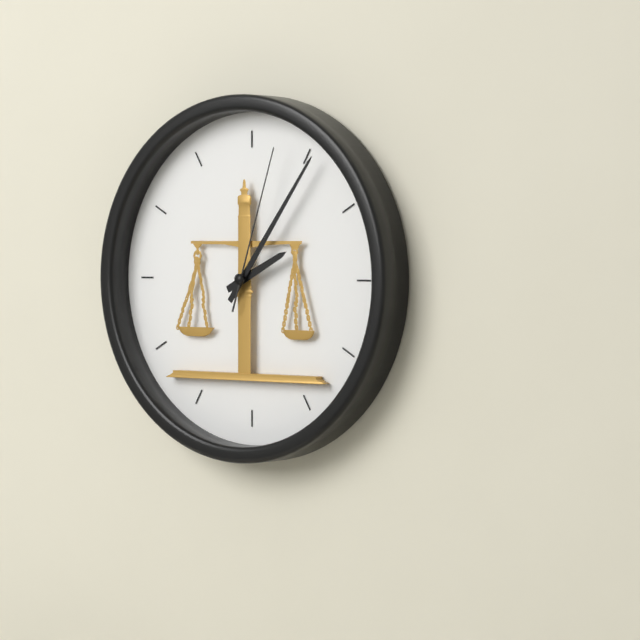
2.06.03
